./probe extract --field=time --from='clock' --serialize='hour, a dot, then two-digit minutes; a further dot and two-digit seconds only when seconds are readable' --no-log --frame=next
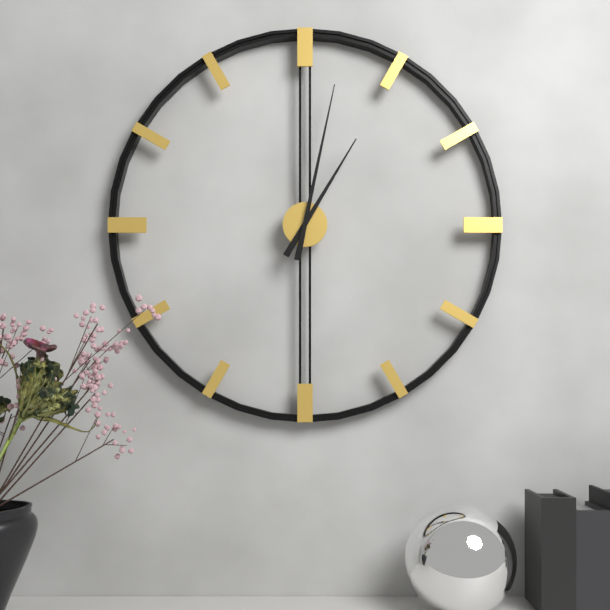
1.02
